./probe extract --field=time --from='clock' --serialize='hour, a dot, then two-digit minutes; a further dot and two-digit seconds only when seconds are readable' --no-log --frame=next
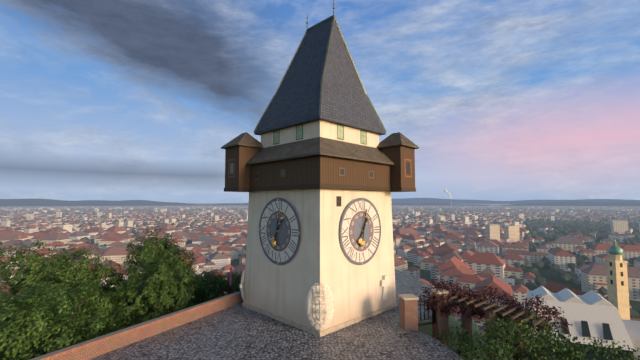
1.02
